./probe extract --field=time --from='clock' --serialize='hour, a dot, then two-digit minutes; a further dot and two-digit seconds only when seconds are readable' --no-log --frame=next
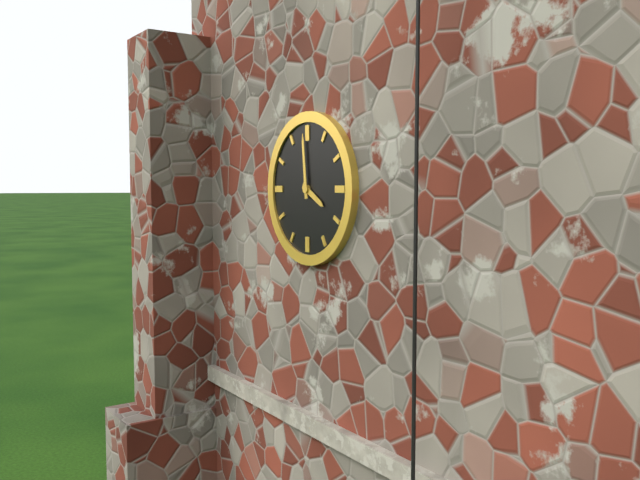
3.59
